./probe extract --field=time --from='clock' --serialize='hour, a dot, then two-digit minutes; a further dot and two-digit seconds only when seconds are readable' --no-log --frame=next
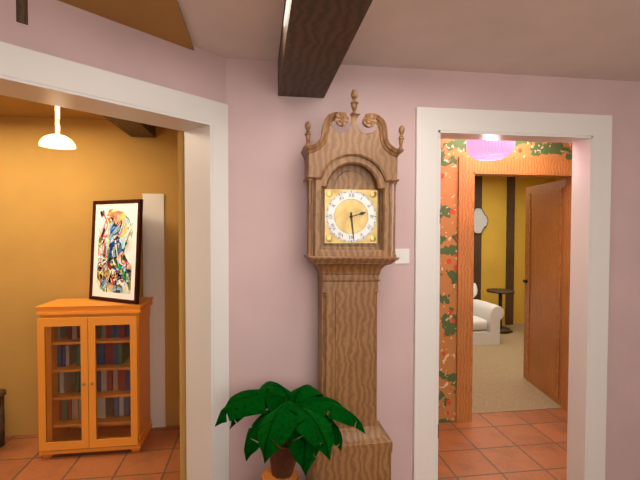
2.29
